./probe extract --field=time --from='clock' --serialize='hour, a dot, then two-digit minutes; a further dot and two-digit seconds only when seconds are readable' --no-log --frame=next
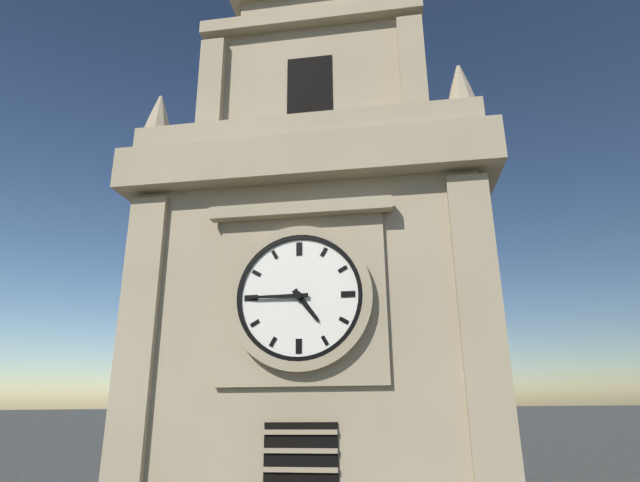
4.45
